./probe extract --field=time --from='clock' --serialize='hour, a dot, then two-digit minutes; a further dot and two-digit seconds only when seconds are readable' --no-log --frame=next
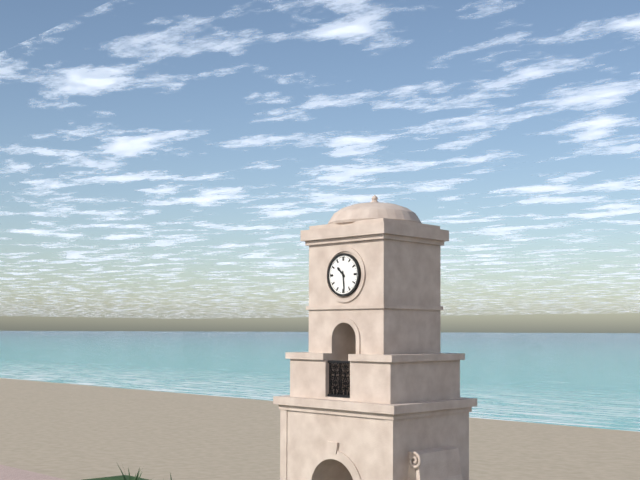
10.29
